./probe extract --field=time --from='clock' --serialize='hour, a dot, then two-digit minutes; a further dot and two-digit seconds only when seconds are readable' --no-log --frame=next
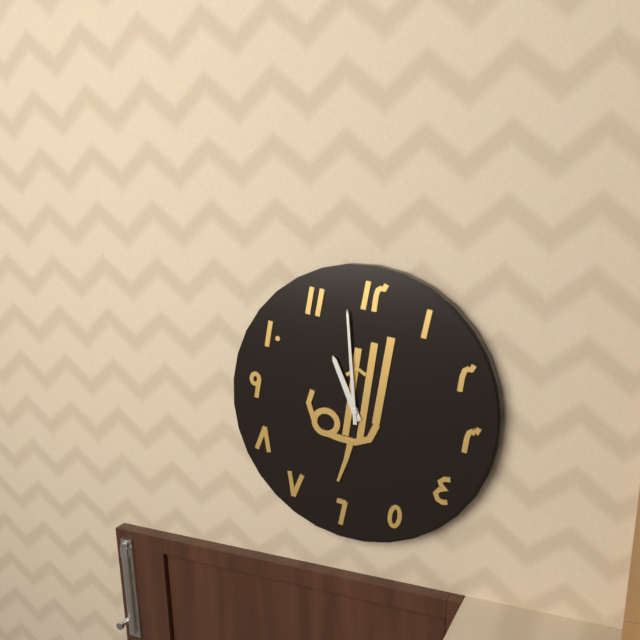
10.58
